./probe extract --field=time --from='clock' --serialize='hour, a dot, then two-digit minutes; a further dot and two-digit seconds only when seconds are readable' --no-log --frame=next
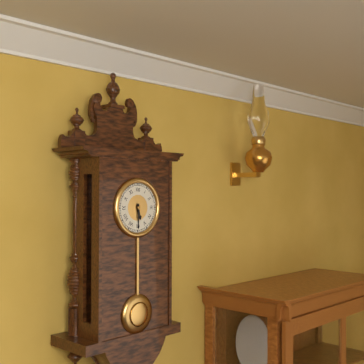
5.30
